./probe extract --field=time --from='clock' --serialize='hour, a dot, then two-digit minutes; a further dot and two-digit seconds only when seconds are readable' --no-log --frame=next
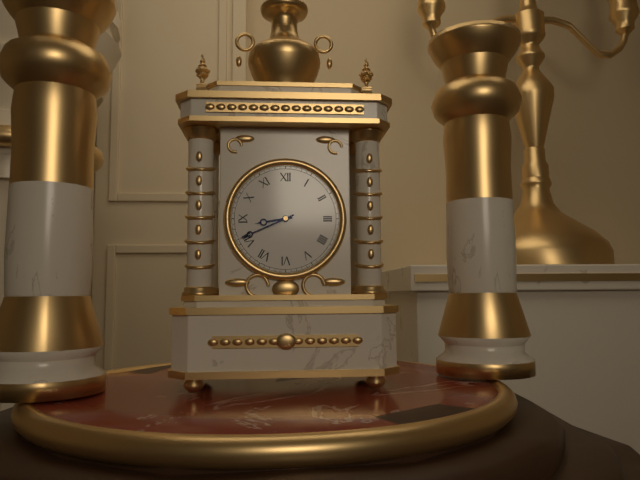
8.41
